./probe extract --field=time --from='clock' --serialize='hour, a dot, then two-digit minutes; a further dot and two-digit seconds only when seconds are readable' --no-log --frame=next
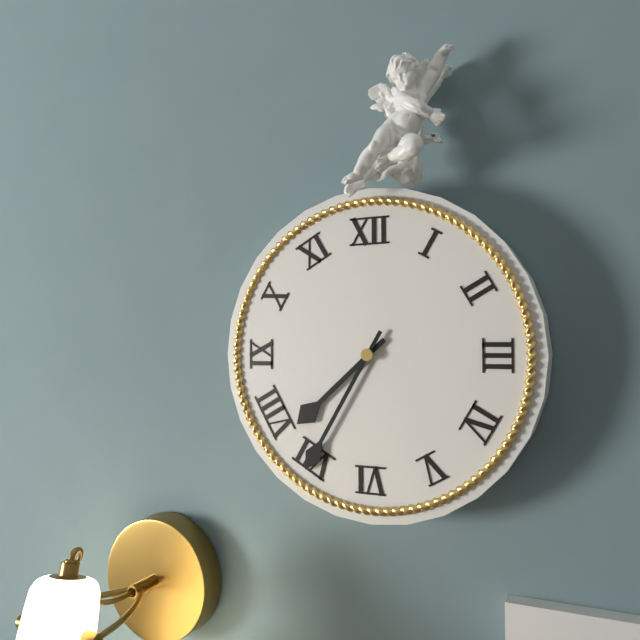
7.35
